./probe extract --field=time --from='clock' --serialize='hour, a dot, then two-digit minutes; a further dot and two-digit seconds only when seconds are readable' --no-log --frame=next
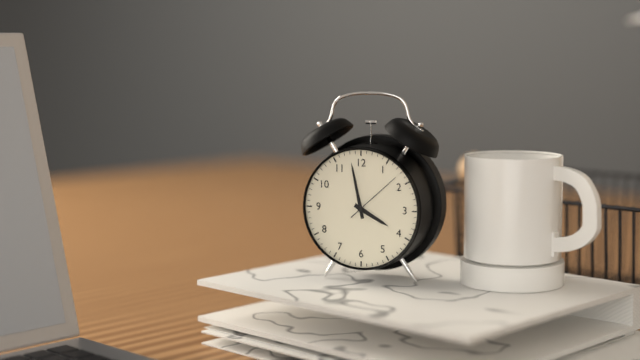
3.58
